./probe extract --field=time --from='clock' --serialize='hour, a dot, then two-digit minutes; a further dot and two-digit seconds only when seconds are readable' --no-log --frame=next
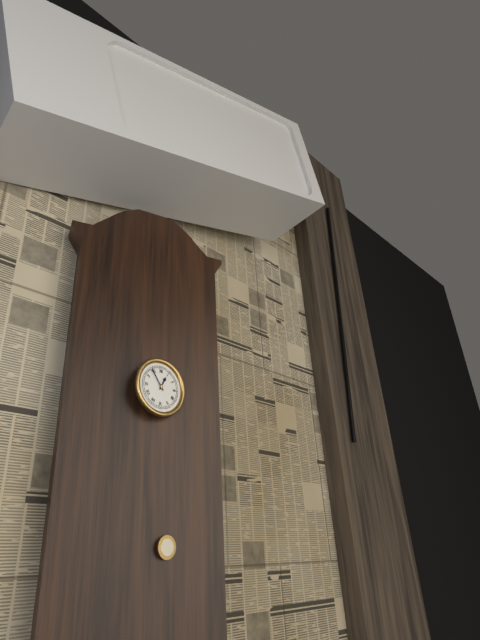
12.54
